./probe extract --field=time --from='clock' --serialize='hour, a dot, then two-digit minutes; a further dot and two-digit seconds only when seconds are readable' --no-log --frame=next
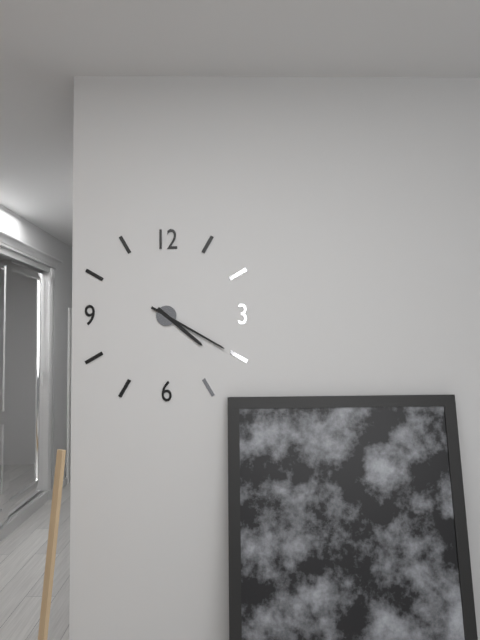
4.20
